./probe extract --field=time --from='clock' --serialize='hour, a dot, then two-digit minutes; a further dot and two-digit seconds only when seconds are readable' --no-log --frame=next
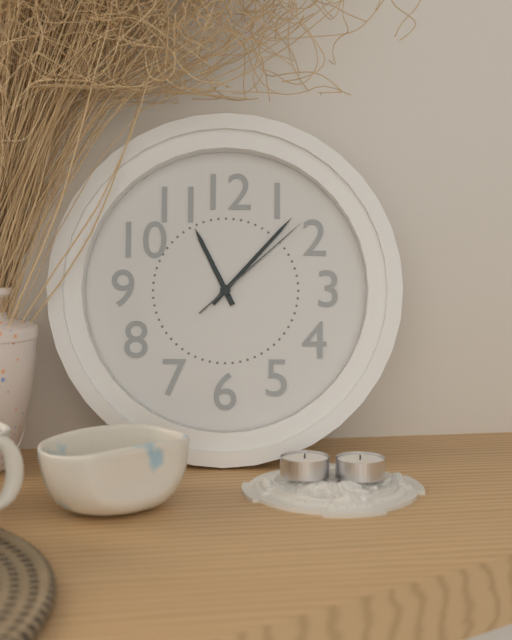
11.07.08
